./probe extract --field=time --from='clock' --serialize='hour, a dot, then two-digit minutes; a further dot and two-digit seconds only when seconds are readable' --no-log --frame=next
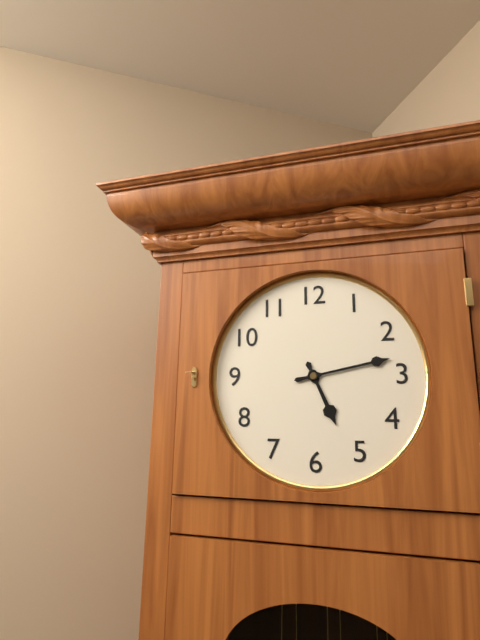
5.13
